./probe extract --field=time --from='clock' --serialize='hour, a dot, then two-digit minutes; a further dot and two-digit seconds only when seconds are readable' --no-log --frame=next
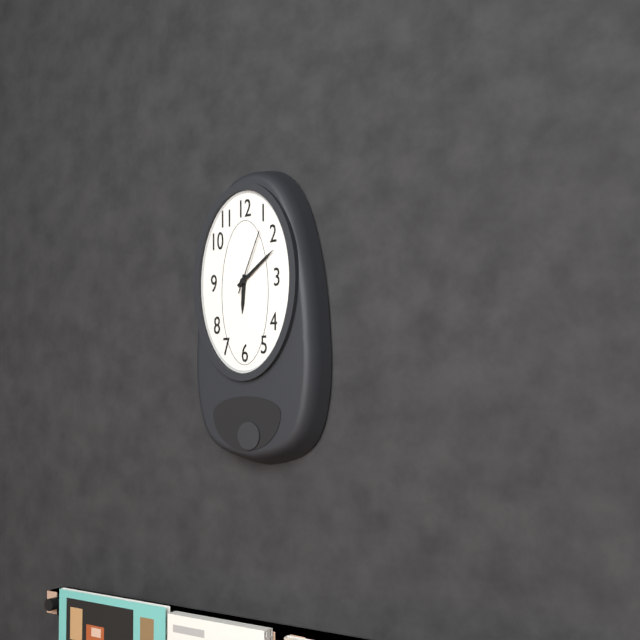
6.09.04
